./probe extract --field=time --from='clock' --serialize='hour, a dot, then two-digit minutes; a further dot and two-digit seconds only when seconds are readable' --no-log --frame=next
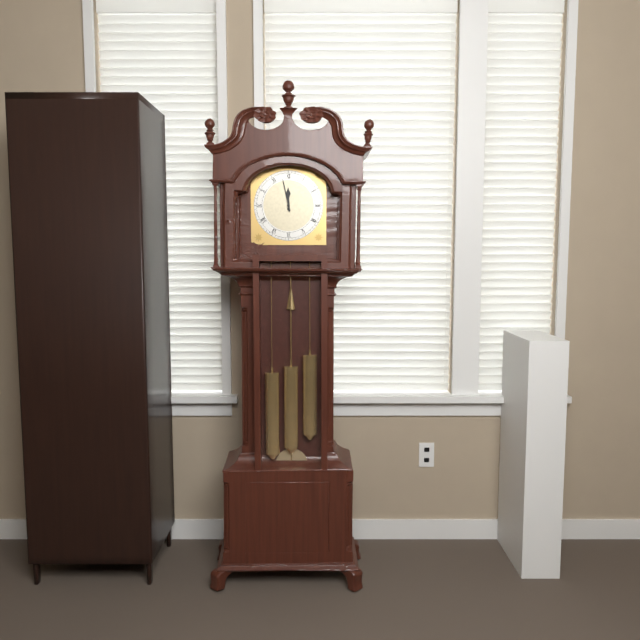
11.58
